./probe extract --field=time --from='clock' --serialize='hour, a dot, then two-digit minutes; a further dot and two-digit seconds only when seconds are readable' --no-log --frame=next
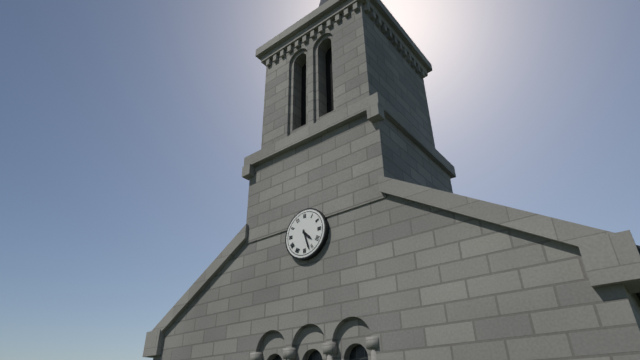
4.27
